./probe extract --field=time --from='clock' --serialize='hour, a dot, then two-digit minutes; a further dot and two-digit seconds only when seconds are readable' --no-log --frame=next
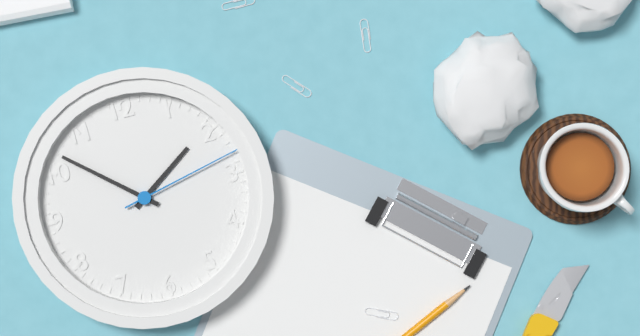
1.52.13
